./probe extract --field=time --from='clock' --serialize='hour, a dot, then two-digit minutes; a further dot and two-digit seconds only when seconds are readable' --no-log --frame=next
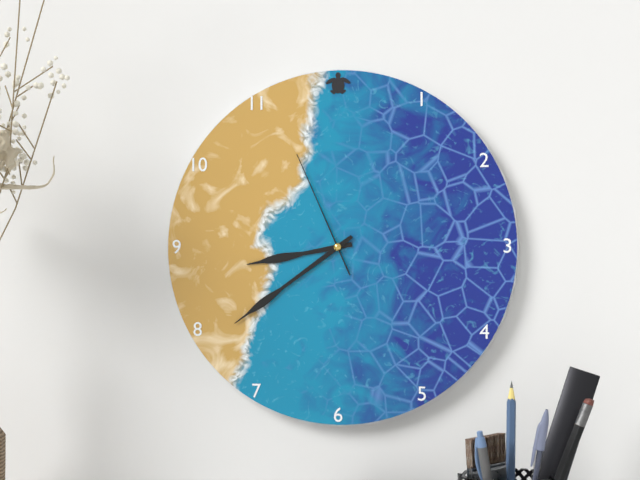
8.39.56
